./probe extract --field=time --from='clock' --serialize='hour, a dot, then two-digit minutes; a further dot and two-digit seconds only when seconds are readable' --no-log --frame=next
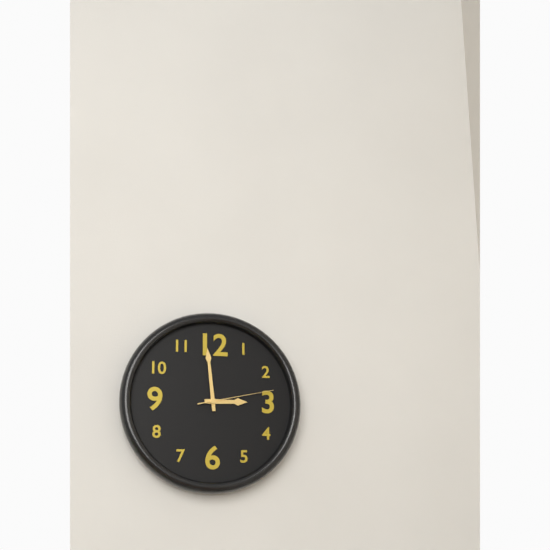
2.59.13
